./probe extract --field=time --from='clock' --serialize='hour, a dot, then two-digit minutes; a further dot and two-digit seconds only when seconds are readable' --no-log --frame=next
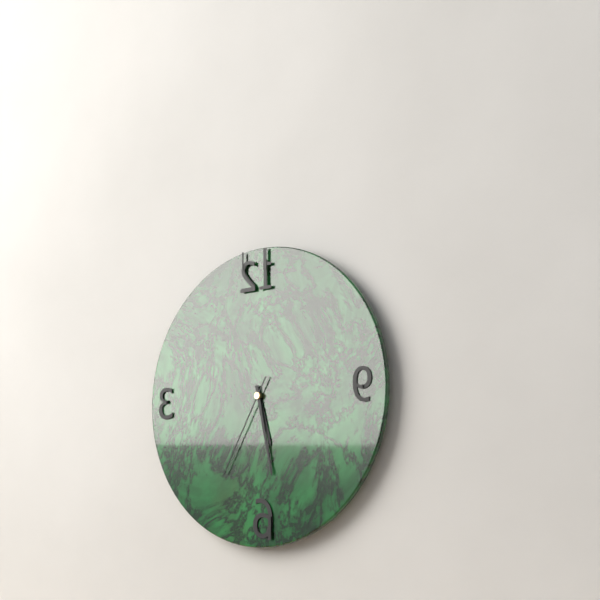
5.28.35
